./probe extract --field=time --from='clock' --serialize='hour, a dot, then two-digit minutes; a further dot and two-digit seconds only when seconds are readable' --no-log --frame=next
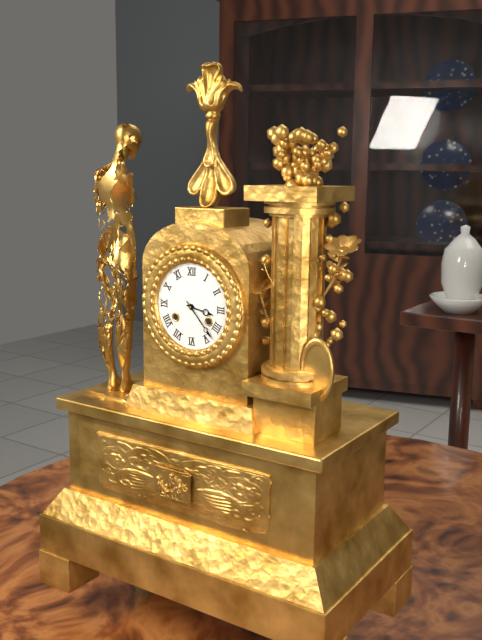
3.23
